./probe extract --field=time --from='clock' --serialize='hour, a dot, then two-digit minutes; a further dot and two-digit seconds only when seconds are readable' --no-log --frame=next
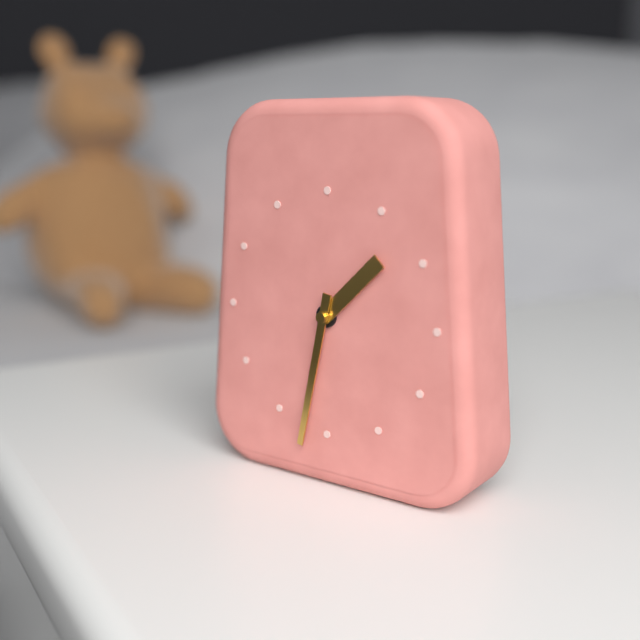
1.32
